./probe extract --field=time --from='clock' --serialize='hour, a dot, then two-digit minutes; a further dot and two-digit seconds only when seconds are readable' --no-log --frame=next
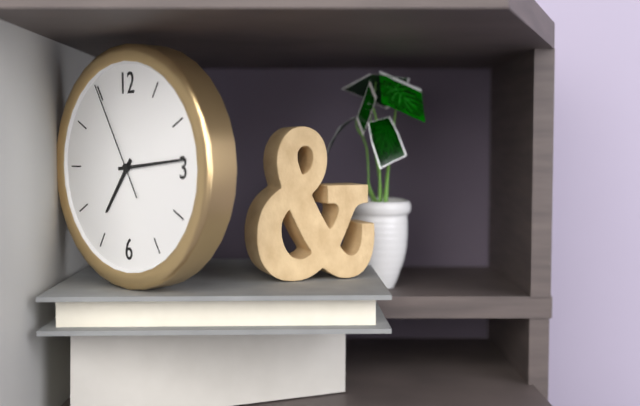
7.14.55
